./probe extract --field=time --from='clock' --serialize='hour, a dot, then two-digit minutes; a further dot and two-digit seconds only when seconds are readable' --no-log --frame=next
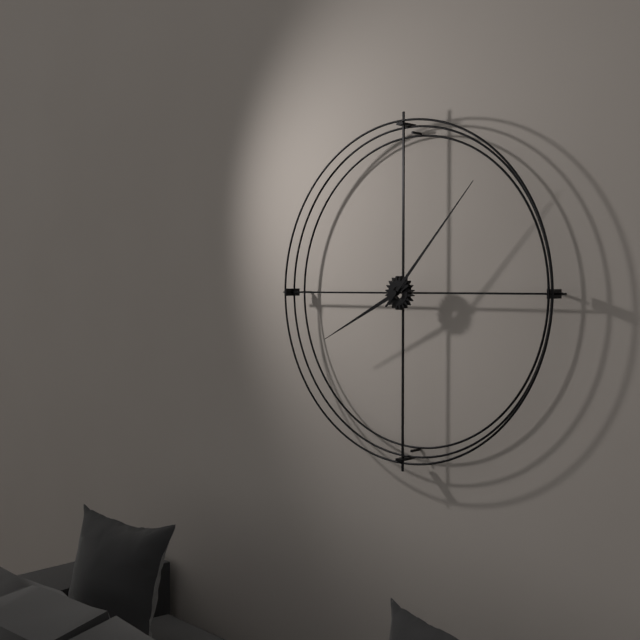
8.07
